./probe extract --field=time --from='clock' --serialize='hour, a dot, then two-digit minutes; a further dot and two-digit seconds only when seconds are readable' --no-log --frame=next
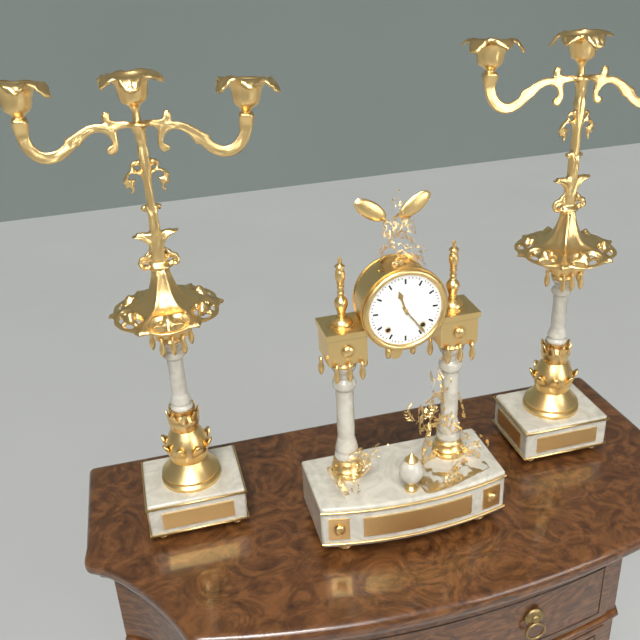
11.24
